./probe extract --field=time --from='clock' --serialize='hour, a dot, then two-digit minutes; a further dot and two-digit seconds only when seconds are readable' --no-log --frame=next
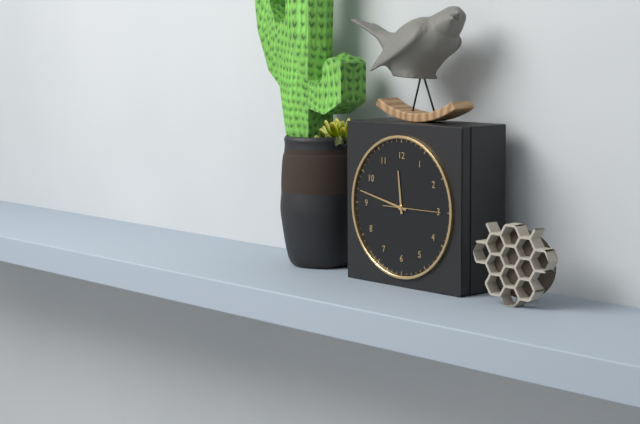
11.47.15
